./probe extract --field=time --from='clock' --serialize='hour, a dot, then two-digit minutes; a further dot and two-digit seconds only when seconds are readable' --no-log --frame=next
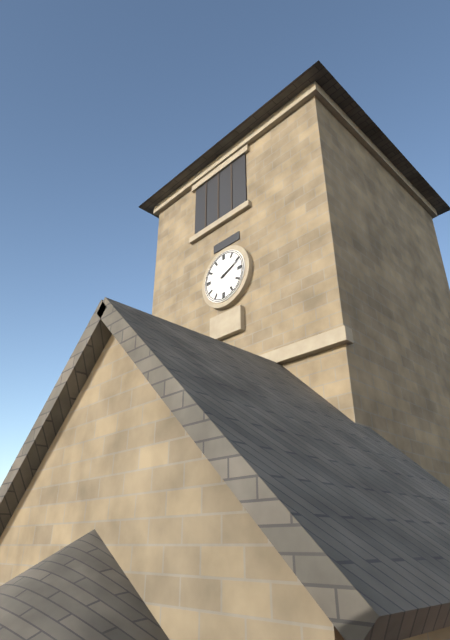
2.11
